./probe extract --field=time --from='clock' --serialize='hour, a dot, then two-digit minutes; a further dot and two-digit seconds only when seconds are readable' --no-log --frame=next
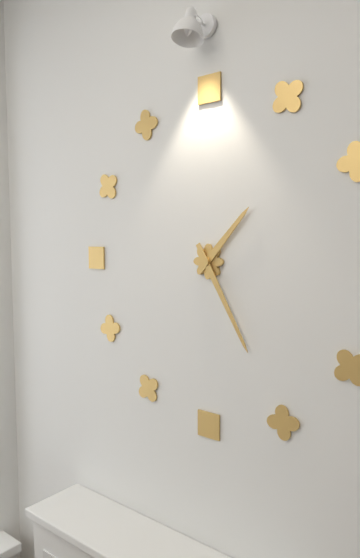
1.25
